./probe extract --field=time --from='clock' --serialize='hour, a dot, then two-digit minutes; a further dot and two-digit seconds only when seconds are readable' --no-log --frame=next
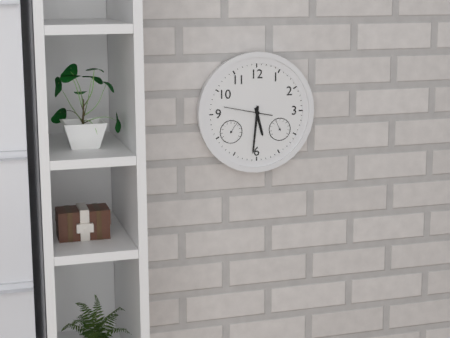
5.31
